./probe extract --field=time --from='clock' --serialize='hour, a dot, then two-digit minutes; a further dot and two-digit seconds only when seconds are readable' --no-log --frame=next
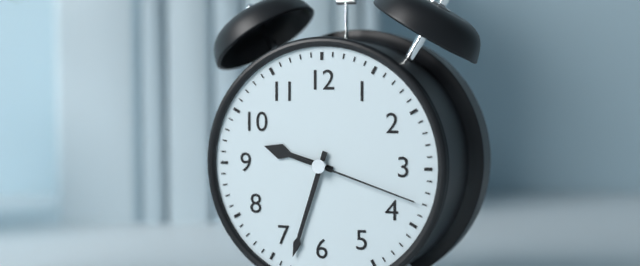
9.33.18
